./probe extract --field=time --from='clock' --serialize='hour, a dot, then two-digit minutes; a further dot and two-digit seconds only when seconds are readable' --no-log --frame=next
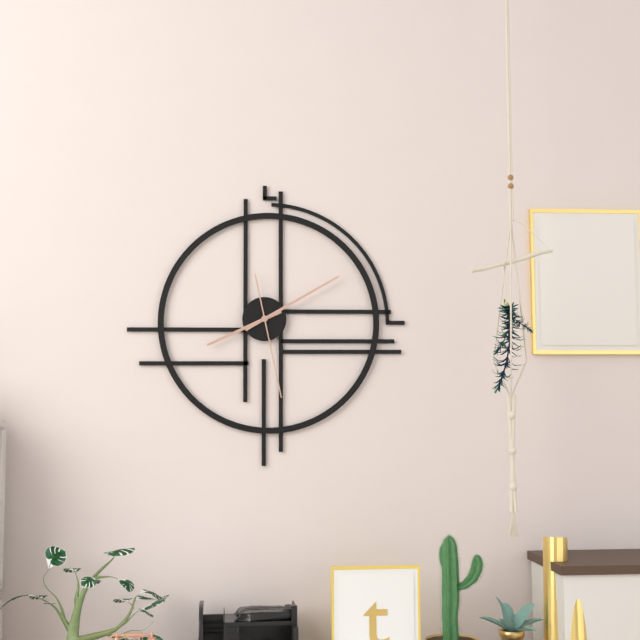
8.10.28
